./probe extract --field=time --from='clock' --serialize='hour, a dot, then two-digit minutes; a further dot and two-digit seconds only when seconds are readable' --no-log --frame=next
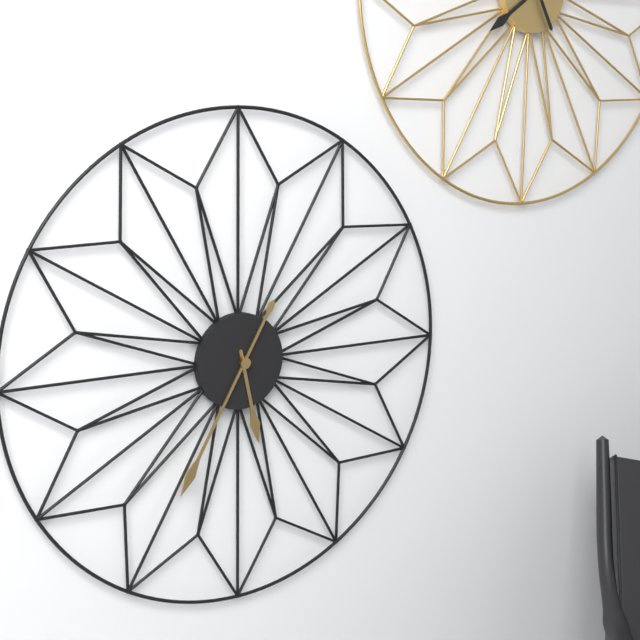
5.35
